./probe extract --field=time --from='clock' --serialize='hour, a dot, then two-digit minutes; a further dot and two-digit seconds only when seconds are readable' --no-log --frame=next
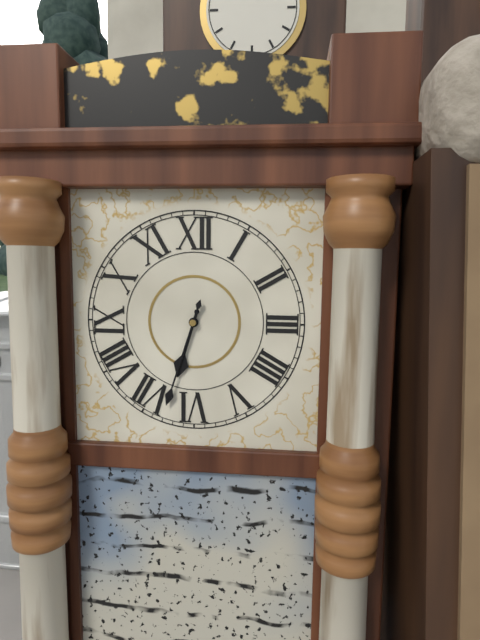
6.33
